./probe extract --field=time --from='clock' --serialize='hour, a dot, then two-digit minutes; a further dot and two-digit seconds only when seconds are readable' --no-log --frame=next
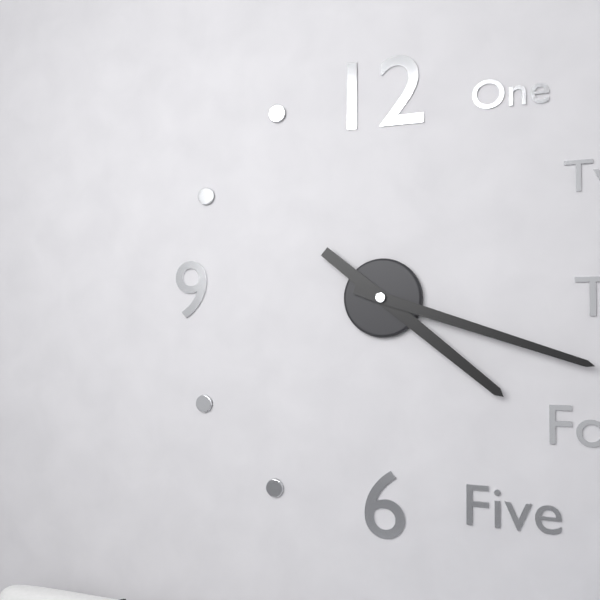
4.18
